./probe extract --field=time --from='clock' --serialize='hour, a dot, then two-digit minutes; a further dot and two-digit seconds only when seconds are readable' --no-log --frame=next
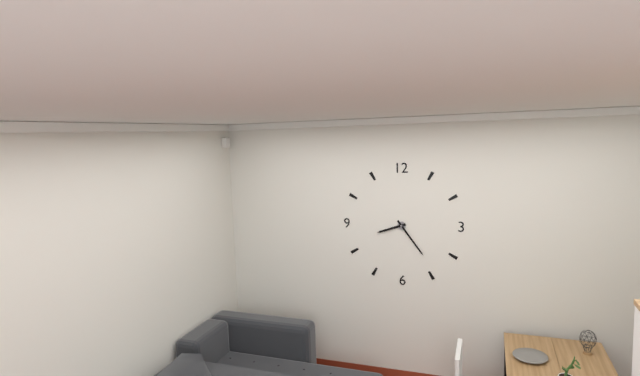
8.24
